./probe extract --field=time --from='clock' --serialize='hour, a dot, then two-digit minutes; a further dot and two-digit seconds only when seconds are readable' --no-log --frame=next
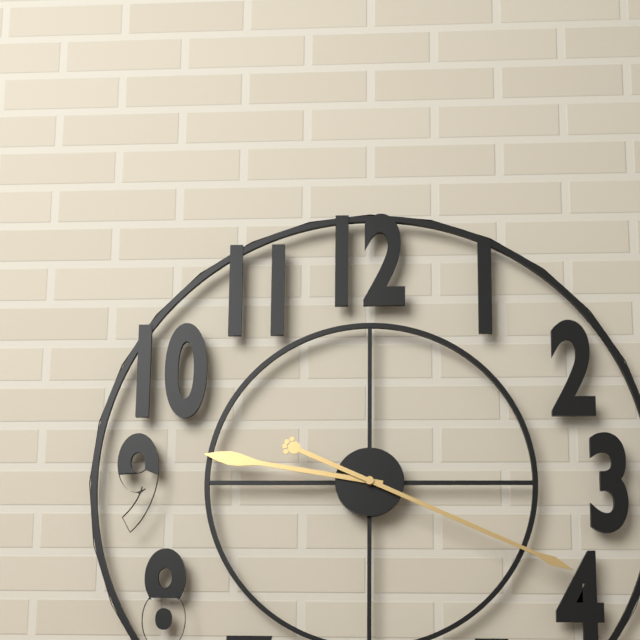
9.19
